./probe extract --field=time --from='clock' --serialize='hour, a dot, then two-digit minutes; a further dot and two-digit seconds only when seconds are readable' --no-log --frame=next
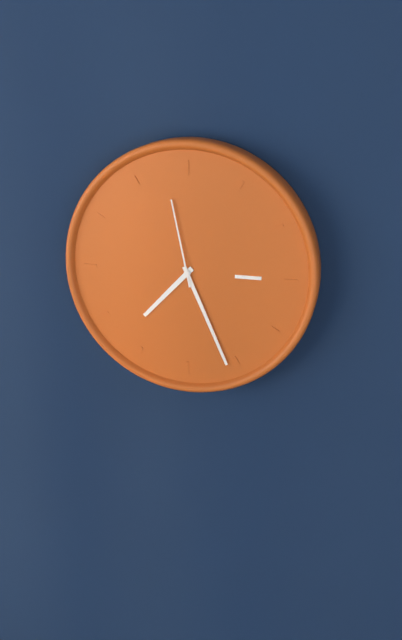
7.26.58
